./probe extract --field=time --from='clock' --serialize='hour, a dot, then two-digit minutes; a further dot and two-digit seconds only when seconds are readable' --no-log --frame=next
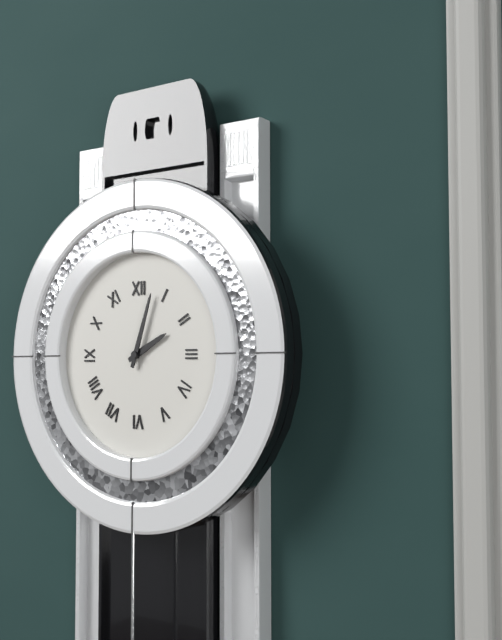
2.03
